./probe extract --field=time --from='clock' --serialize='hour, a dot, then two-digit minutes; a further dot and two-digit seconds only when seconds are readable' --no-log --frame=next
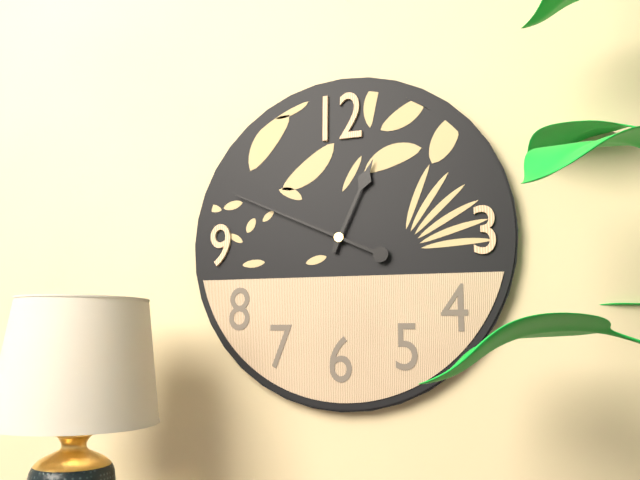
12.49
